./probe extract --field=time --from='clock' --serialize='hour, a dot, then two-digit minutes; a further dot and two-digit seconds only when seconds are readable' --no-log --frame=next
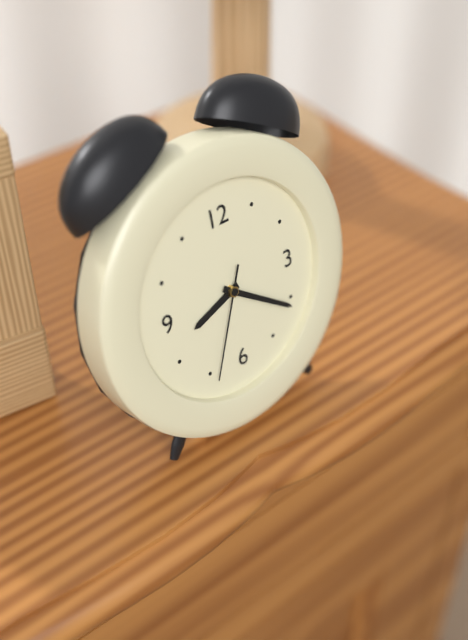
8.21.34
